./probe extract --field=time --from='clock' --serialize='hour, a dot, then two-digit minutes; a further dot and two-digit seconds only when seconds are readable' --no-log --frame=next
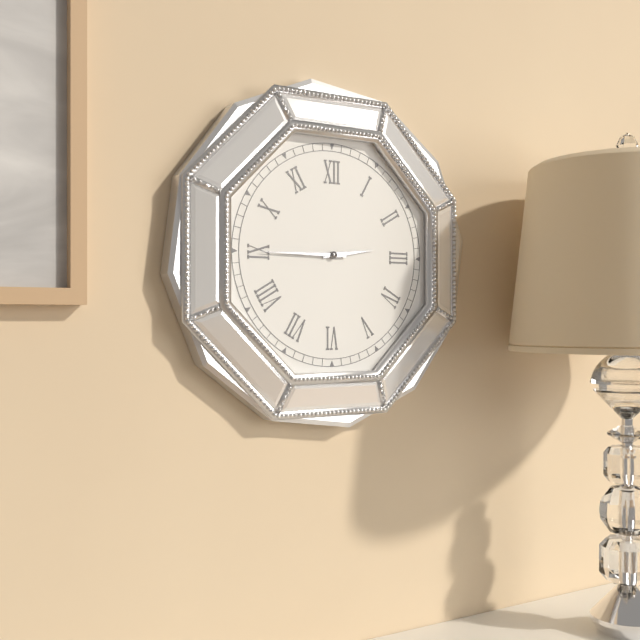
2.45
